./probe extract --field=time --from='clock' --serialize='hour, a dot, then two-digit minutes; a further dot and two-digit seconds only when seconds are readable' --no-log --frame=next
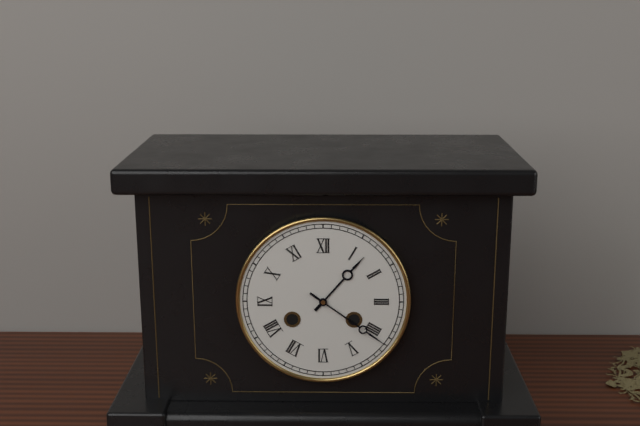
1.21
